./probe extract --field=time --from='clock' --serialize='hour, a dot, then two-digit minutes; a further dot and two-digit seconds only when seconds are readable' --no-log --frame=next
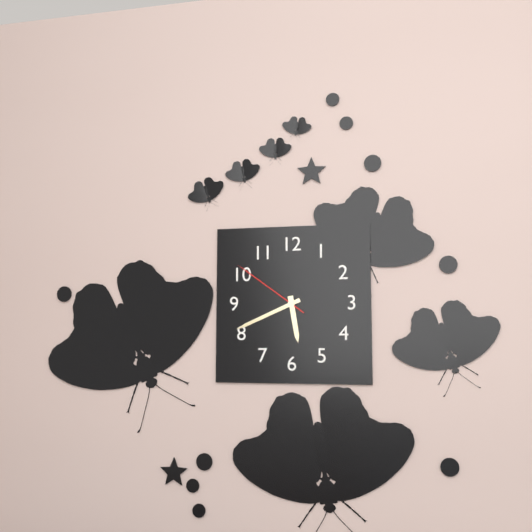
5.41.51
